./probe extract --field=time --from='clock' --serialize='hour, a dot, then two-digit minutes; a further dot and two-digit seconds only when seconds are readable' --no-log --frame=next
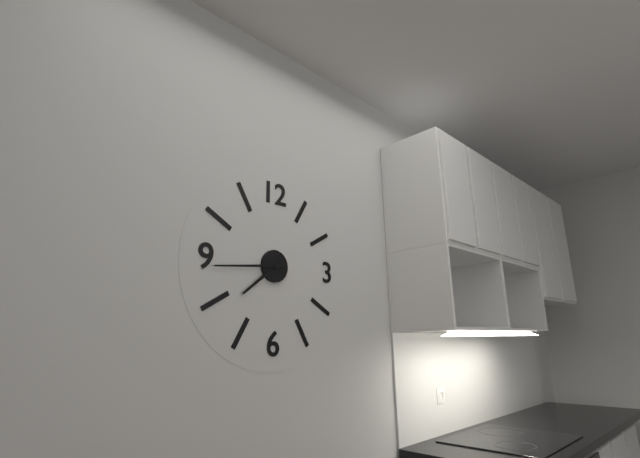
7.44
